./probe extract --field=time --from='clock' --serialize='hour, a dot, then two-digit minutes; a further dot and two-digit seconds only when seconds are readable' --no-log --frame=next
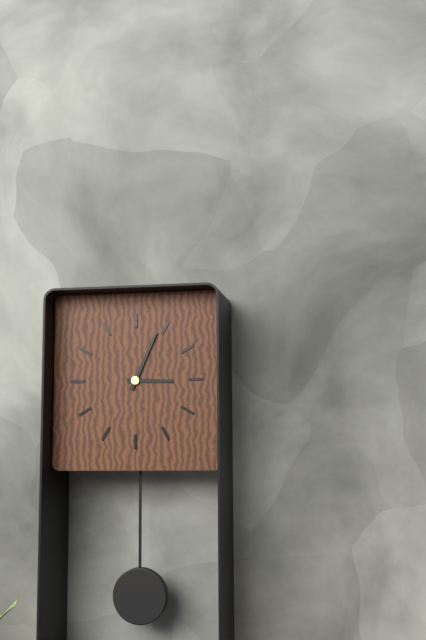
3.04
